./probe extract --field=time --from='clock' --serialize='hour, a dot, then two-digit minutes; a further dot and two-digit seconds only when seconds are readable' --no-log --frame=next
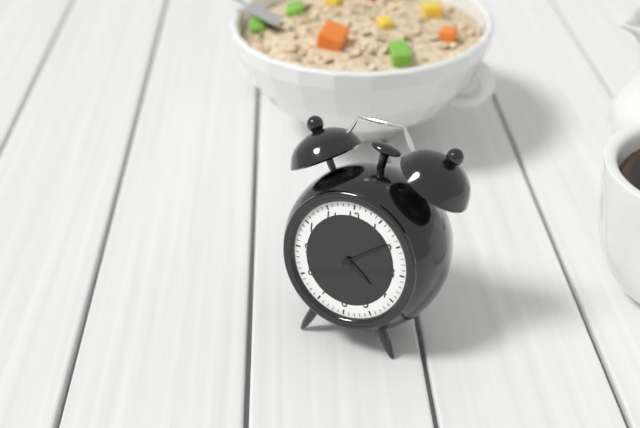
4.09
